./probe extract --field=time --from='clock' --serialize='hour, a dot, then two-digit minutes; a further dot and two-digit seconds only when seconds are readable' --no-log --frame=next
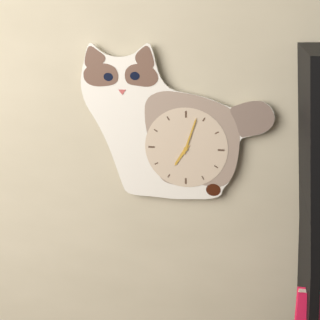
7.03
